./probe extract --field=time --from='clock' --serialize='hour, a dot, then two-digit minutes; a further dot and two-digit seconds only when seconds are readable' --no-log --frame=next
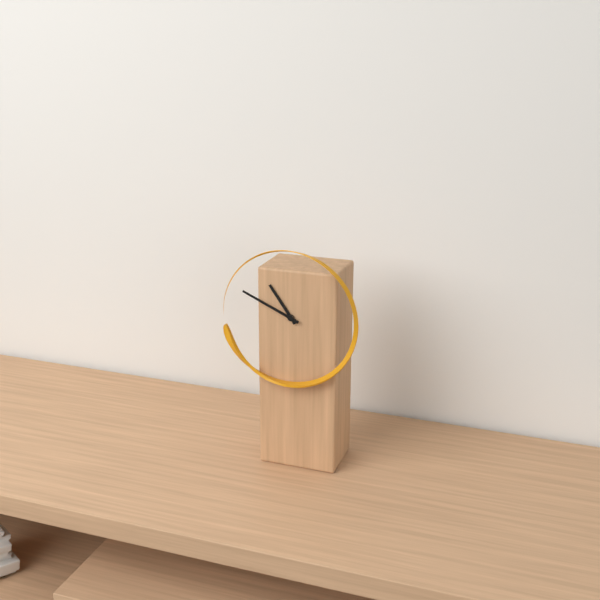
10.49
